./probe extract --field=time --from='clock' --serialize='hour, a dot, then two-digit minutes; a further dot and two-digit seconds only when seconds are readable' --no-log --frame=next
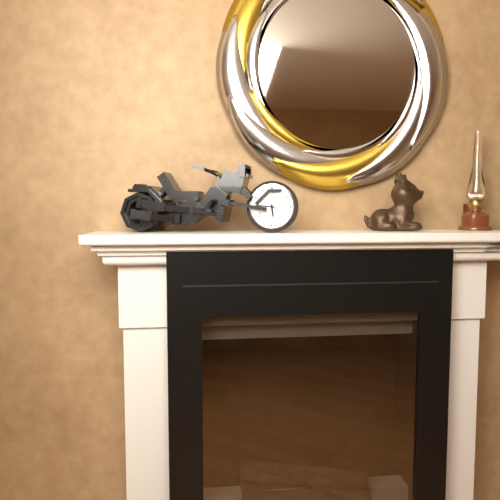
5.46
